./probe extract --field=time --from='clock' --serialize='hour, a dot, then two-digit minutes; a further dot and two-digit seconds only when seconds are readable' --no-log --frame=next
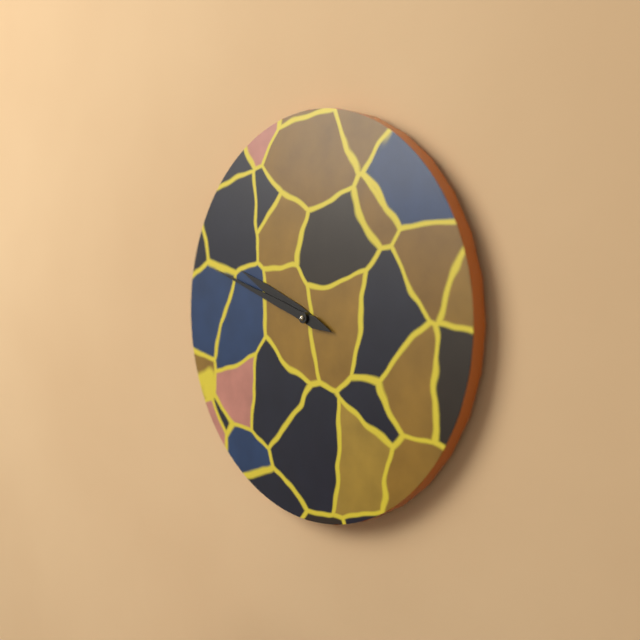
9.48
